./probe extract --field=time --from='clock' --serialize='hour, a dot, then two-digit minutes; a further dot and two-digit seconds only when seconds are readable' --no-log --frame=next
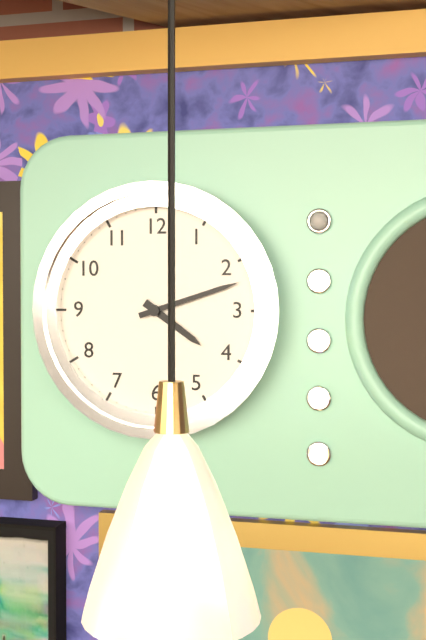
4.12
